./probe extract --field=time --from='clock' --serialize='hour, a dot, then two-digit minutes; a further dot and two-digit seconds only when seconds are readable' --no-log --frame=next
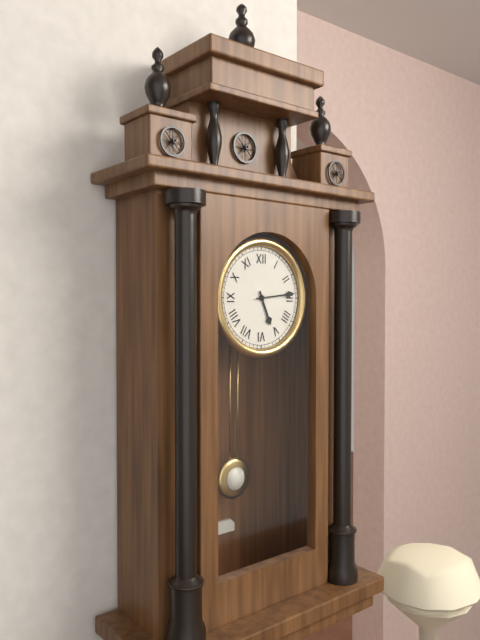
5.14
